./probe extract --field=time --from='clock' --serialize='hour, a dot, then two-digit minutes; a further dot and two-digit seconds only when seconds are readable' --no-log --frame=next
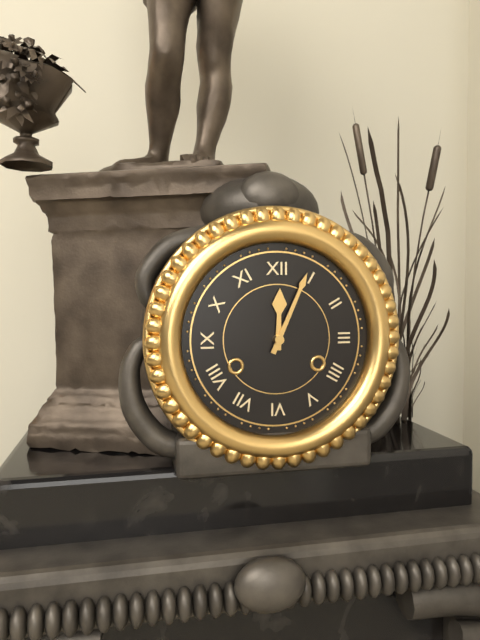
12.04
